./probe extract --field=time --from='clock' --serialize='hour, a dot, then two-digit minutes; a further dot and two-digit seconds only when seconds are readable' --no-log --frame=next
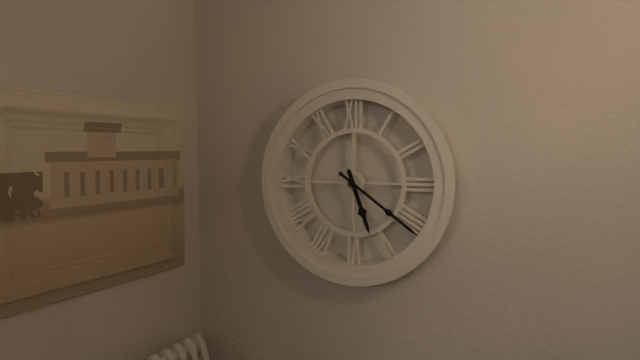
5.21
